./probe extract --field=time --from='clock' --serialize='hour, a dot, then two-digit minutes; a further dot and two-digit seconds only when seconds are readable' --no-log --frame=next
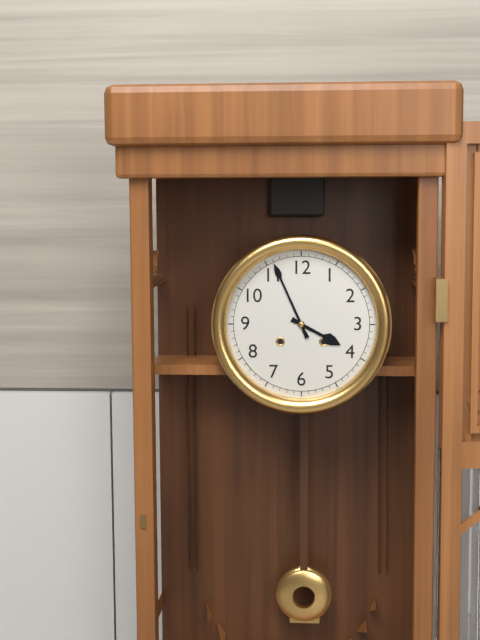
3.56
